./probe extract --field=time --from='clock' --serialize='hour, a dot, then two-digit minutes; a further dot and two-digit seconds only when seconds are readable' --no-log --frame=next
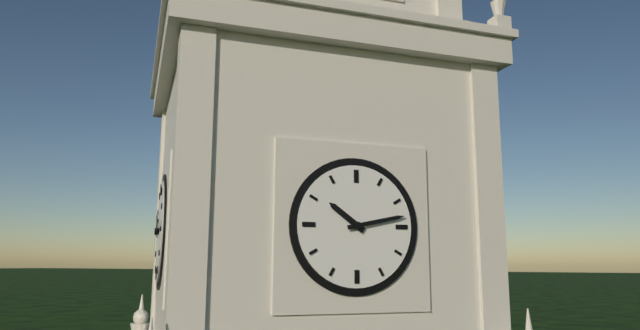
10.13
